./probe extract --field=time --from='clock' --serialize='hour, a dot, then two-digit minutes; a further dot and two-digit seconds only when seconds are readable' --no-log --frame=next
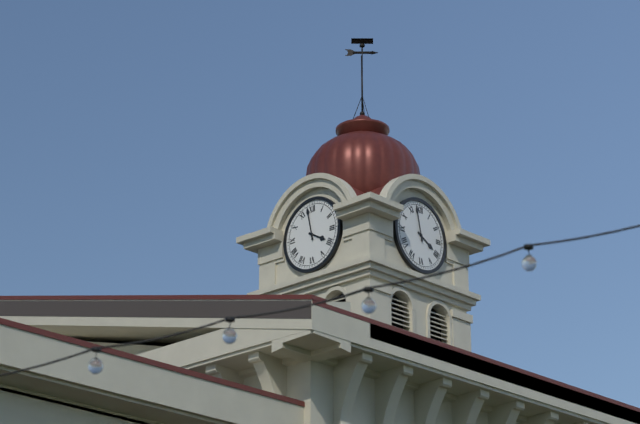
3.58
